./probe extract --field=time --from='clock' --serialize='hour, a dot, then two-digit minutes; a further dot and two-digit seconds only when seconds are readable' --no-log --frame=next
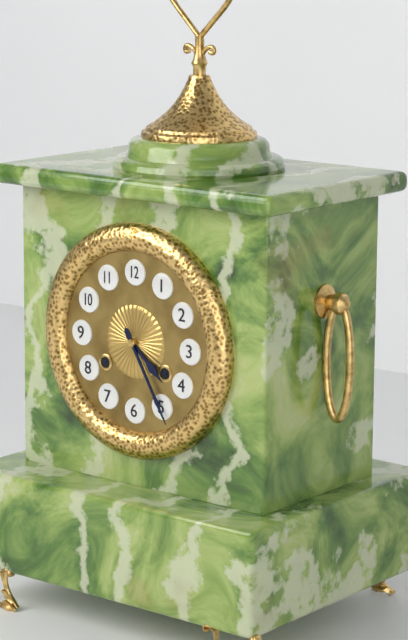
4.25
